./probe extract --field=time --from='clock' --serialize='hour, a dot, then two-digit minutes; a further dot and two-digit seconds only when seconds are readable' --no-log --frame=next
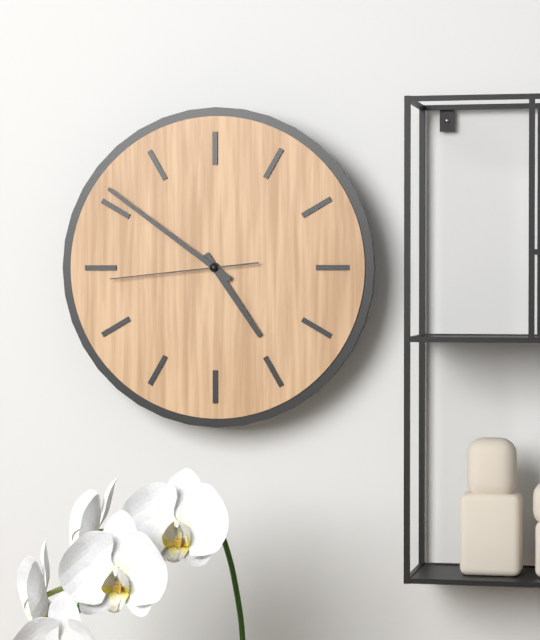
4.51.44
